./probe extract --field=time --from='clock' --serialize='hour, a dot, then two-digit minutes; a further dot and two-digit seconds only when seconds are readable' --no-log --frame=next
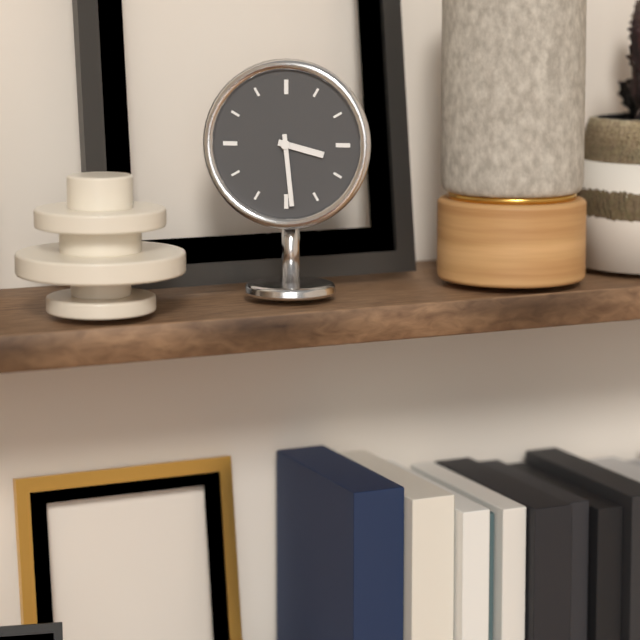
3.29
